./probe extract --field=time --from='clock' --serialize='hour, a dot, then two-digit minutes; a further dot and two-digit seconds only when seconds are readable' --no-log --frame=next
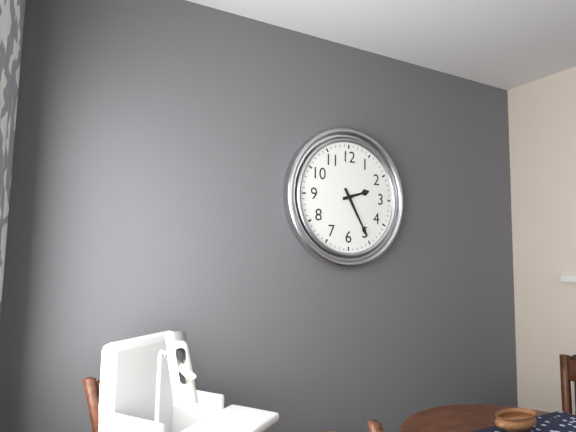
2.25
